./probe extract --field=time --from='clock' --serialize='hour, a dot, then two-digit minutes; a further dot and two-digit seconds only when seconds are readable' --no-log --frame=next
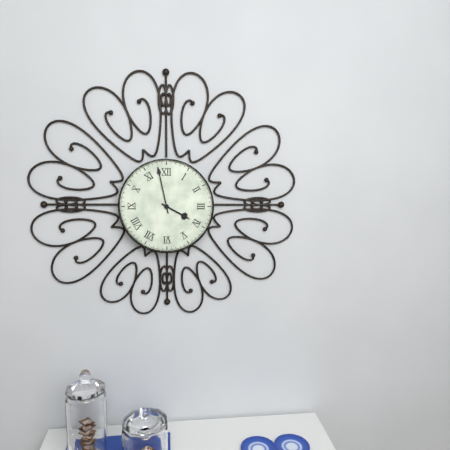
3.58
